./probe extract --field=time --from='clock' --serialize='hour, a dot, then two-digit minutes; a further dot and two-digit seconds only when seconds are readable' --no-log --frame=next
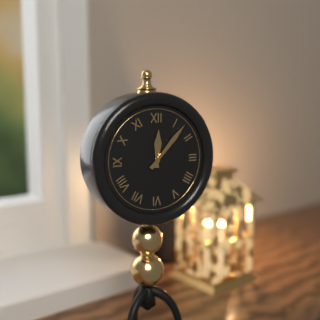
12.07
